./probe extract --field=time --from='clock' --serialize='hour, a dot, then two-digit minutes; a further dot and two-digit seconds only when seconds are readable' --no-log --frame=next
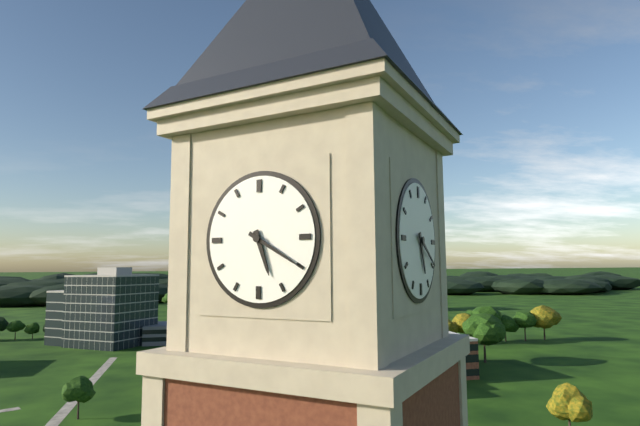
5.20
